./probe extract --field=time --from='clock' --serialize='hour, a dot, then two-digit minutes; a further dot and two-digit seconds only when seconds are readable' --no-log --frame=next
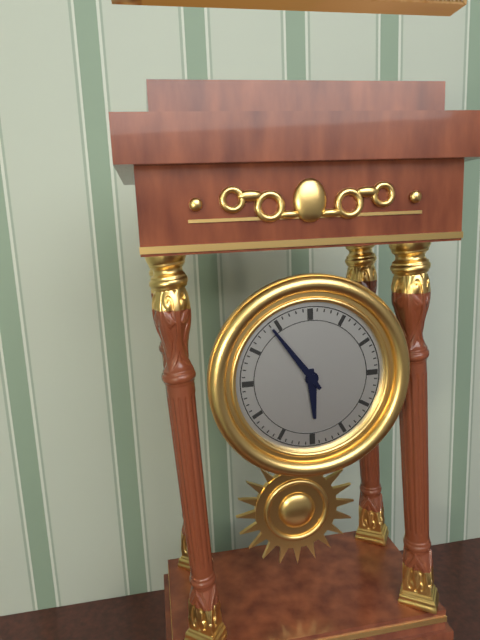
5.54
